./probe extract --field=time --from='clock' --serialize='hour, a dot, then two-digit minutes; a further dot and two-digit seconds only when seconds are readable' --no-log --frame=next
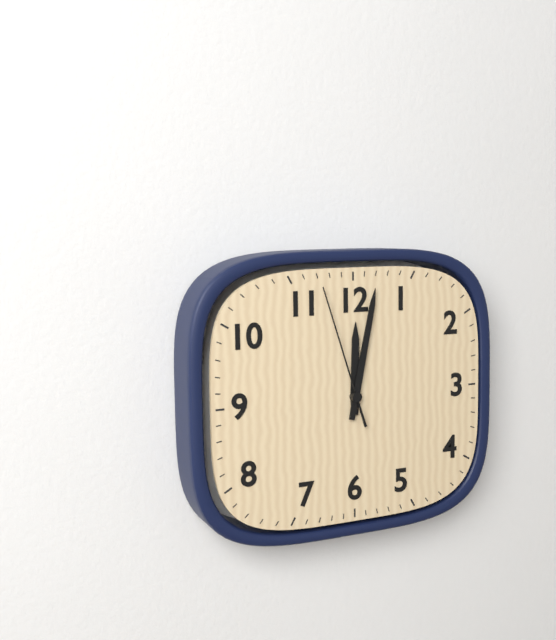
12.02.57
